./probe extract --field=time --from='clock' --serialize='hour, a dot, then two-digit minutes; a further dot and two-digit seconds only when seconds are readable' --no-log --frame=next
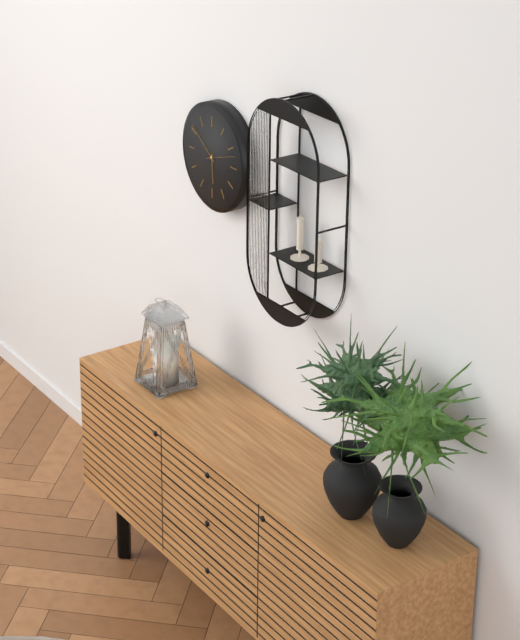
5.51
